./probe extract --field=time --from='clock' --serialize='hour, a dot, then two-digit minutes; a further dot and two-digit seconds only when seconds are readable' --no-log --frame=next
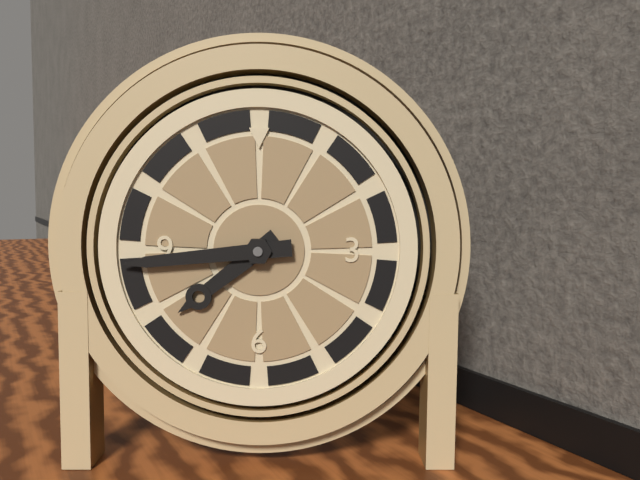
7.44
